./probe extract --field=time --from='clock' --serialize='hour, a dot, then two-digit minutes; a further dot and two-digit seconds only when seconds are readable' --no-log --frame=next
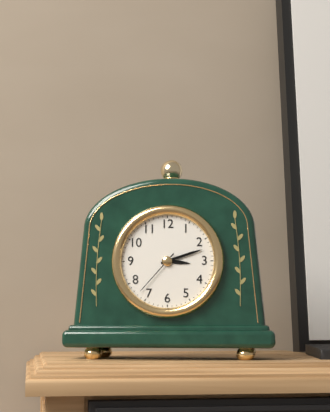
3.12.37
